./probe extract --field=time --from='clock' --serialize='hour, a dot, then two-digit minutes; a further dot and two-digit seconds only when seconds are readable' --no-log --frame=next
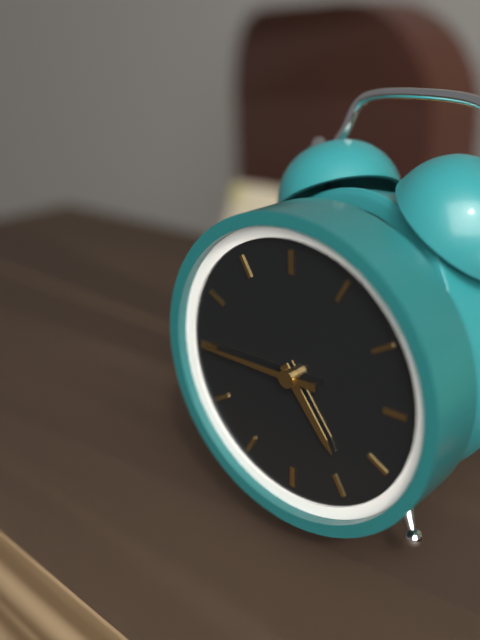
4.45
